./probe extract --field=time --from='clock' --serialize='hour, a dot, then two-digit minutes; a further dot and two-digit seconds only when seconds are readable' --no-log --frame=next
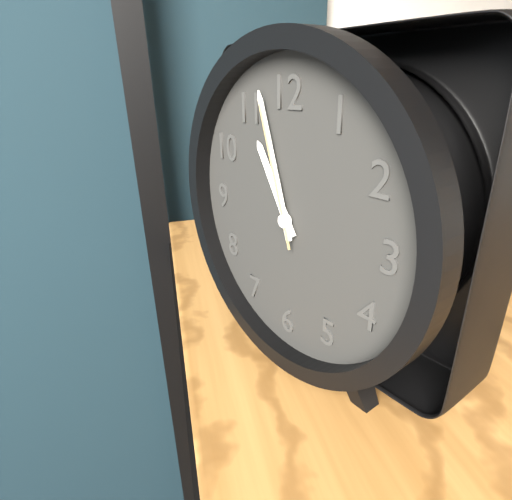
10.57.57
